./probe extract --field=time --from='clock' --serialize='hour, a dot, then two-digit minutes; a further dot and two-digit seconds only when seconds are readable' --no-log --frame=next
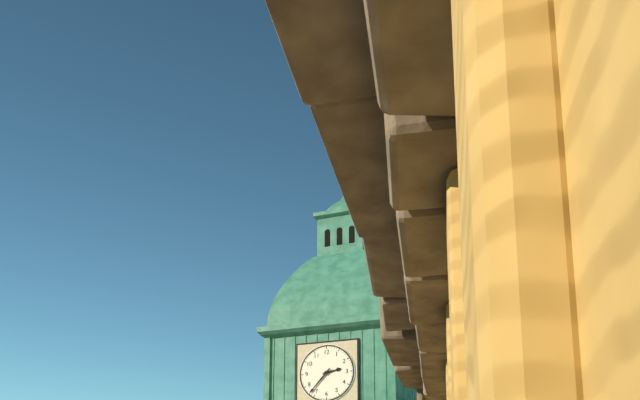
2.37
